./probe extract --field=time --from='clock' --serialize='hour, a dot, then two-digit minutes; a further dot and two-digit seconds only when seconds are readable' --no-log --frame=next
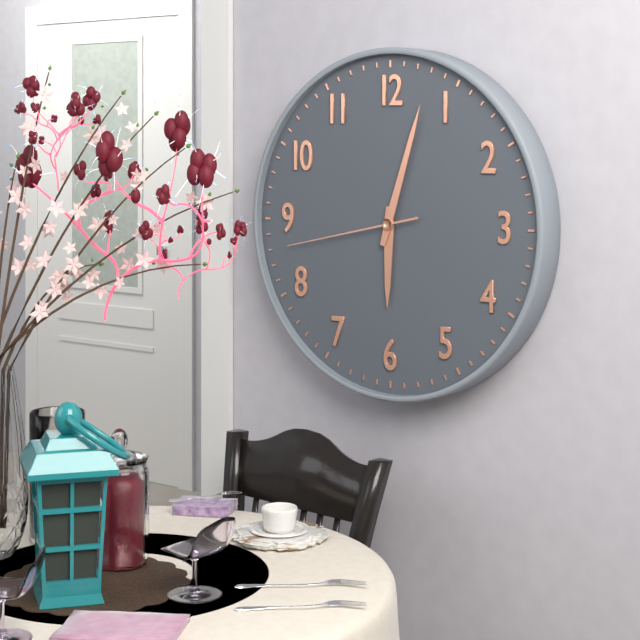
6.03.43
